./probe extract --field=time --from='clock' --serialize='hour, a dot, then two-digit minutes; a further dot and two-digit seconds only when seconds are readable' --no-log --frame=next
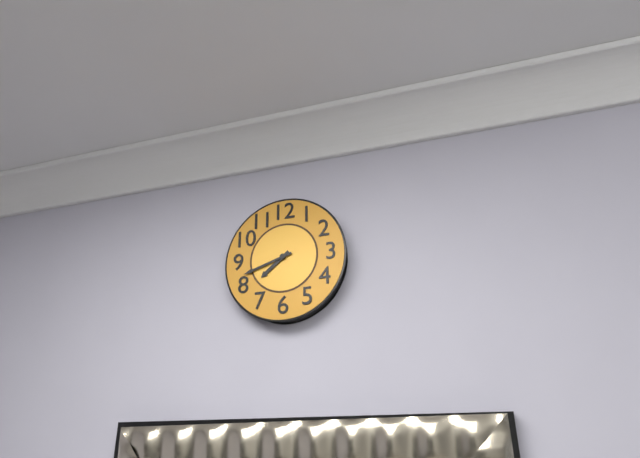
7.42
